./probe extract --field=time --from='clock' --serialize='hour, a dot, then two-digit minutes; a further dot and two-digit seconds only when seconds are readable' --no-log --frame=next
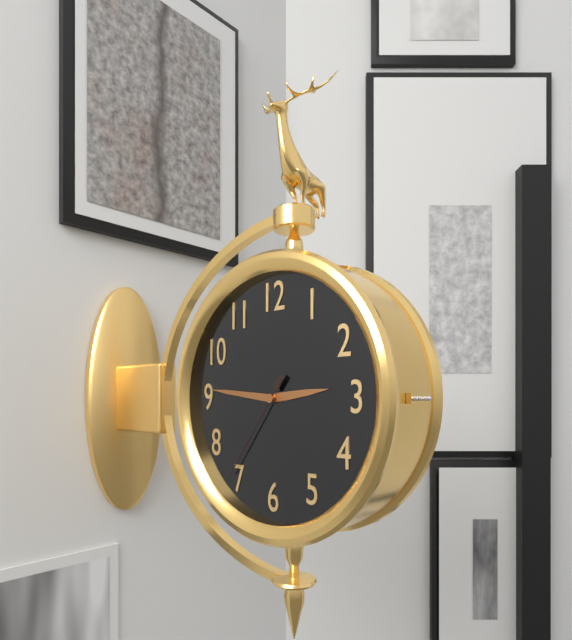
2.46.36
